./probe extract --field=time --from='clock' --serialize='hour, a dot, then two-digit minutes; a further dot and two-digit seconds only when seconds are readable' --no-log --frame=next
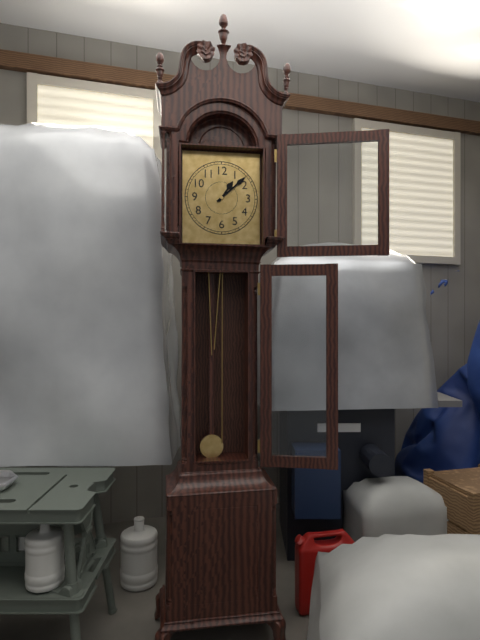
1.08
